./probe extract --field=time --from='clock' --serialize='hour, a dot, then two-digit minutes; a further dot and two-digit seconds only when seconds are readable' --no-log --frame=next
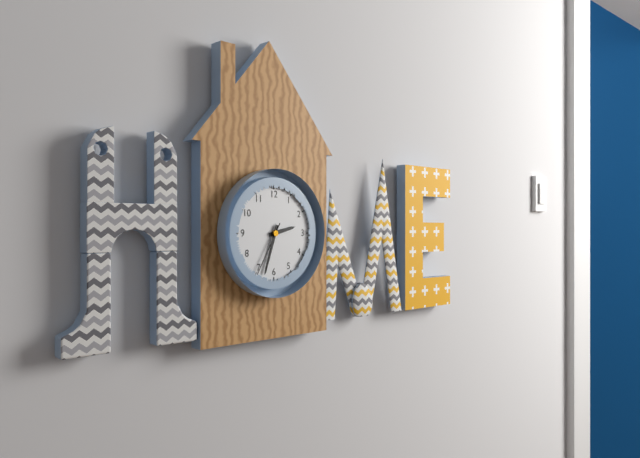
2.33.35
